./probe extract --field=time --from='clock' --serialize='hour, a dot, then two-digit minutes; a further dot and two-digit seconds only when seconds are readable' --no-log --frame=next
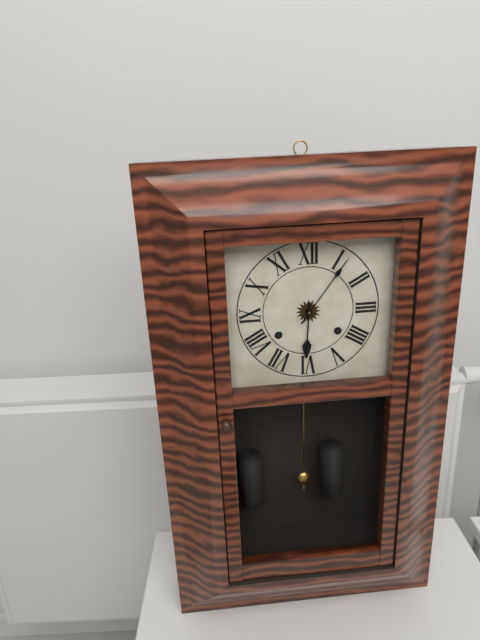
6.06
